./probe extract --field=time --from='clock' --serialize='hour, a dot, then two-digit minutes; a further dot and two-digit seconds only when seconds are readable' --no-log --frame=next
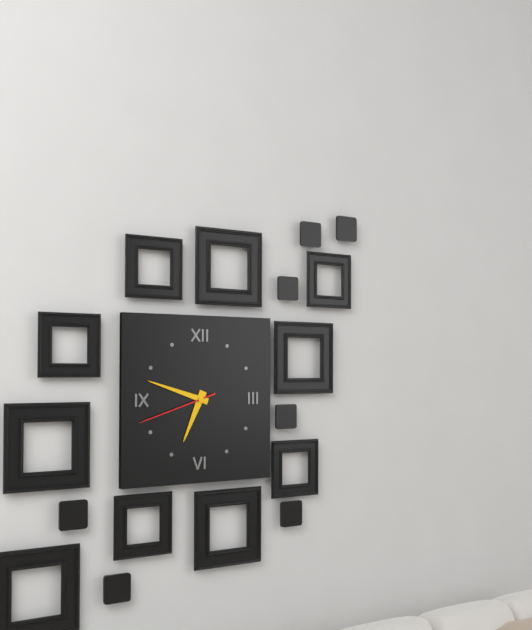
6.48.42
